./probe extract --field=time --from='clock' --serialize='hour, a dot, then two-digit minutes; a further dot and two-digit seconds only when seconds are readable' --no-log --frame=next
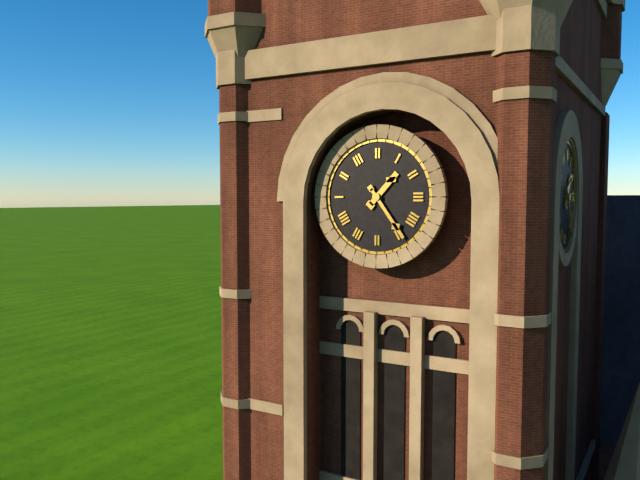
1.24
